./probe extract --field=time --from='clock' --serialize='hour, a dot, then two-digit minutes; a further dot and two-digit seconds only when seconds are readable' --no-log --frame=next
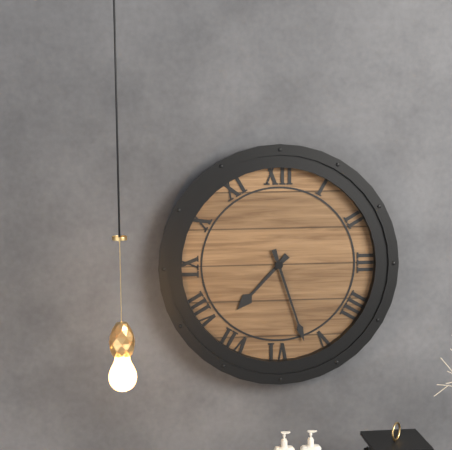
7.27
